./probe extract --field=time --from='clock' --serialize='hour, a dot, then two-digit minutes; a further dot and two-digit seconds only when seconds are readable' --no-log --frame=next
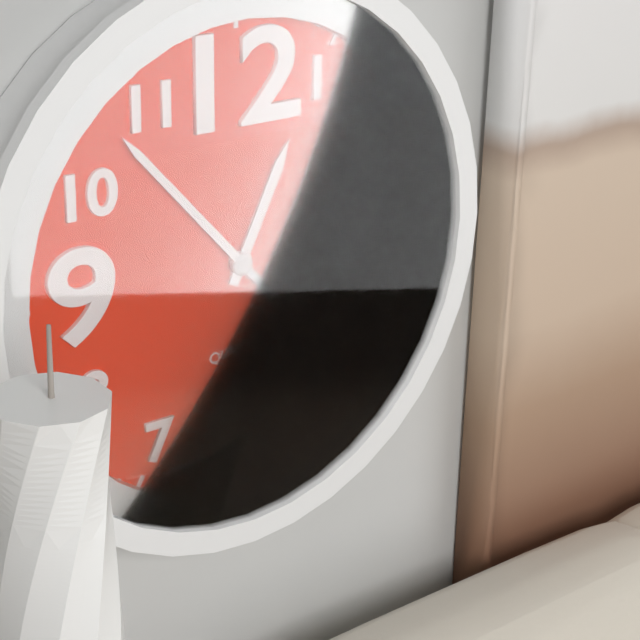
12.53
